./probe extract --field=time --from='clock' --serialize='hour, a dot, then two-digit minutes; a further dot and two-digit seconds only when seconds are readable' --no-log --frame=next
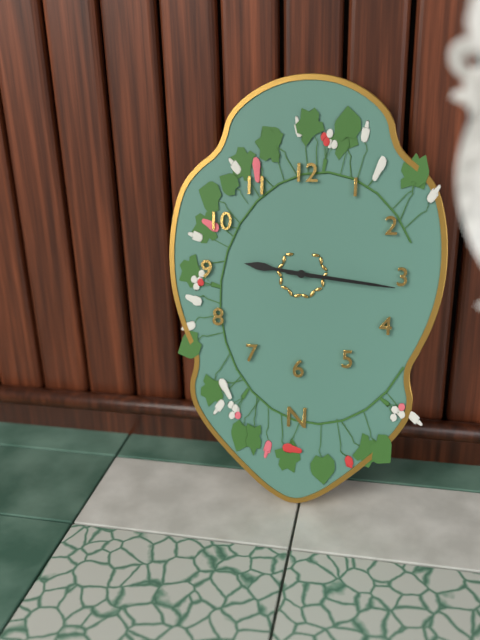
9.16
